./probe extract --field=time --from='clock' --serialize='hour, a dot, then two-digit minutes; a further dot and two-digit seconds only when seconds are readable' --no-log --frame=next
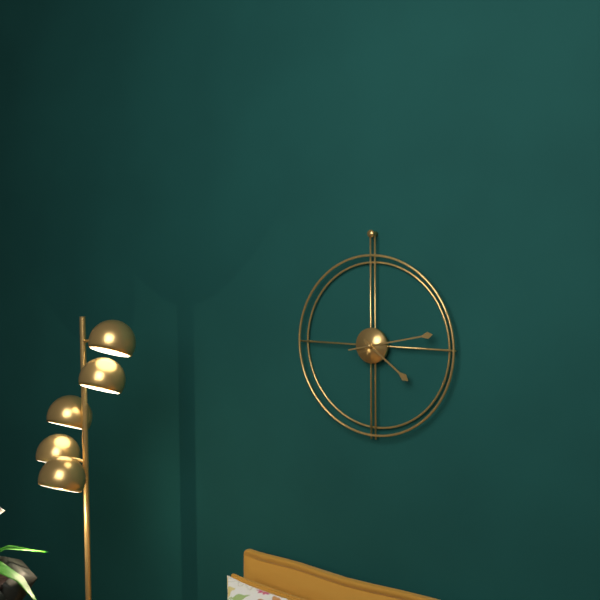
4.13
